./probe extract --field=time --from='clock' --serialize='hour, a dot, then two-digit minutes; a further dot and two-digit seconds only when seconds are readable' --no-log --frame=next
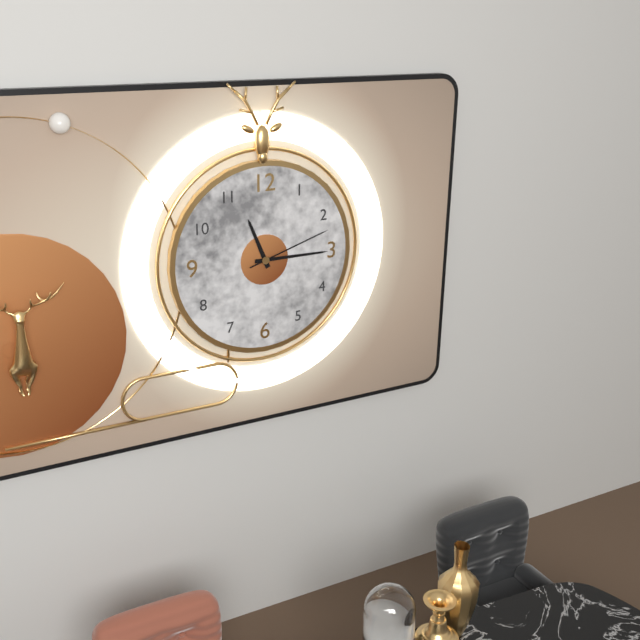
11.15.12
